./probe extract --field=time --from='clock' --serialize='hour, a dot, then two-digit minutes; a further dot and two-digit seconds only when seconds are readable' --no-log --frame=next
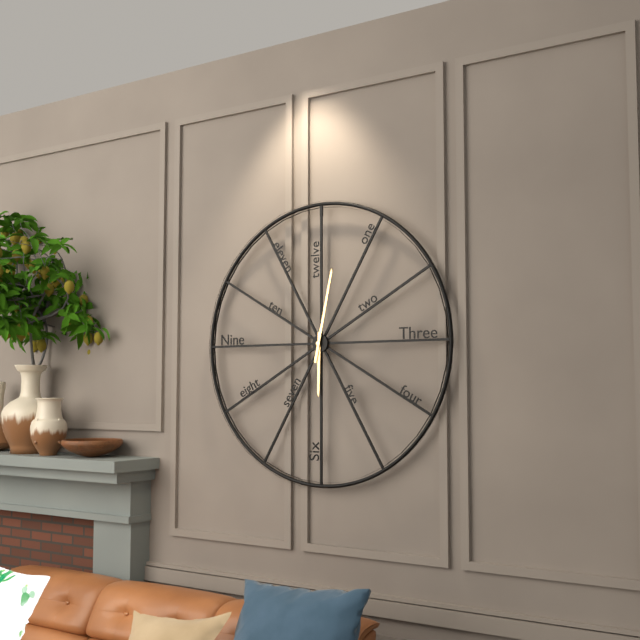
6.02
